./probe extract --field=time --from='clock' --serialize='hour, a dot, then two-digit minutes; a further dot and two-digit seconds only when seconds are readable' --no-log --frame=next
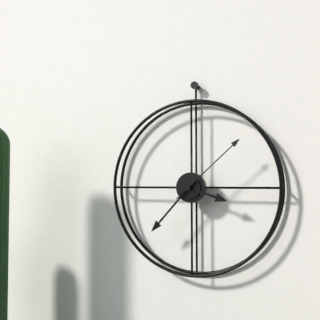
3.37.08
